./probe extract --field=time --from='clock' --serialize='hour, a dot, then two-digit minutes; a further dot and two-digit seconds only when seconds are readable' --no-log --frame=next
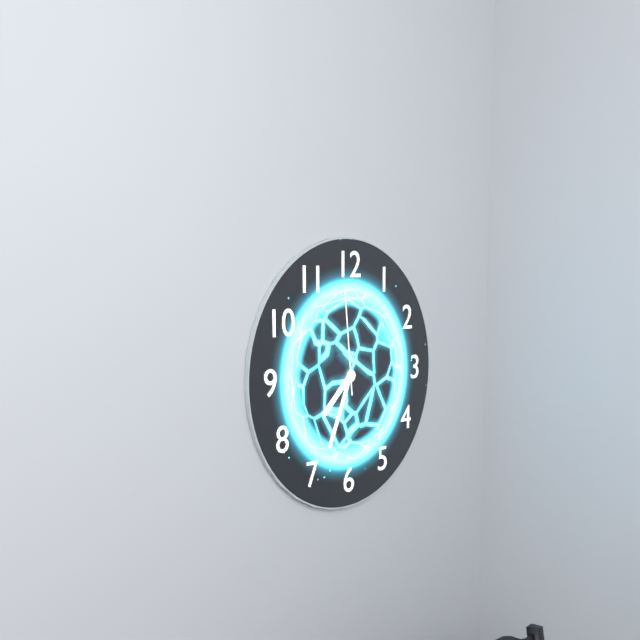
7.34.59
